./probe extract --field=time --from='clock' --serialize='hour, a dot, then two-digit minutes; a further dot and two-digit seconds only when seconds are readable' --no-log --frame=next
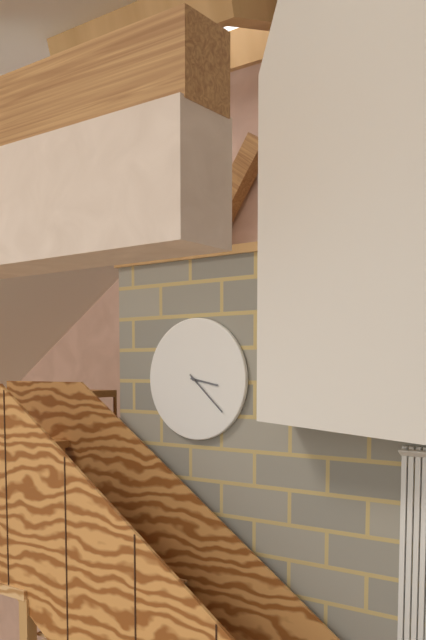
3.22
